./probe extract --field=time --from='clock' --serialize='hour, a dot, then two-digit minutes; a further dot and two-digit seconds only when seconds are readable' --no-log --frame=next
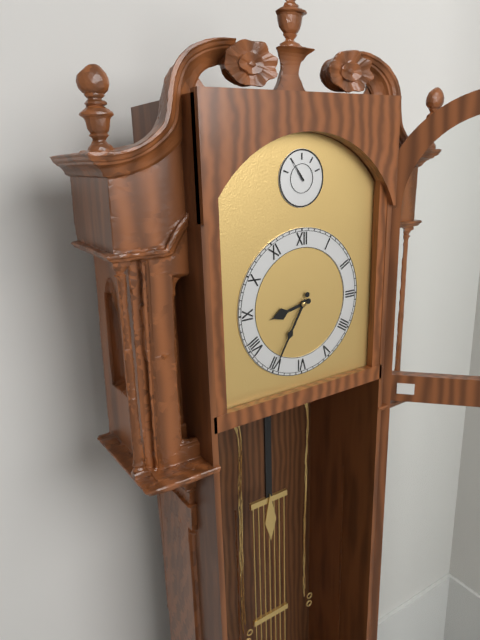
8.35
